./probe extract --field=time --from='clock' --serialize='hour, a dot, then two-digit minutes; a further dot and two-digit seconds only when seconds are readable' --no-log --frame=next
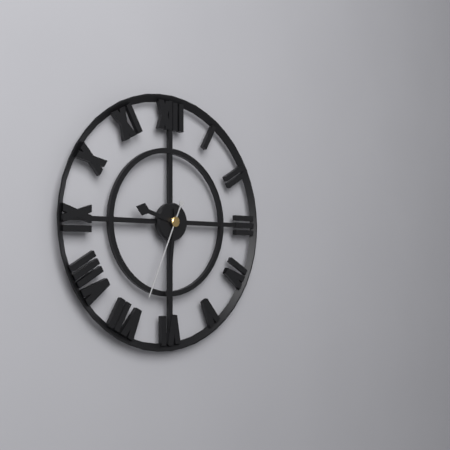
9.31.34
